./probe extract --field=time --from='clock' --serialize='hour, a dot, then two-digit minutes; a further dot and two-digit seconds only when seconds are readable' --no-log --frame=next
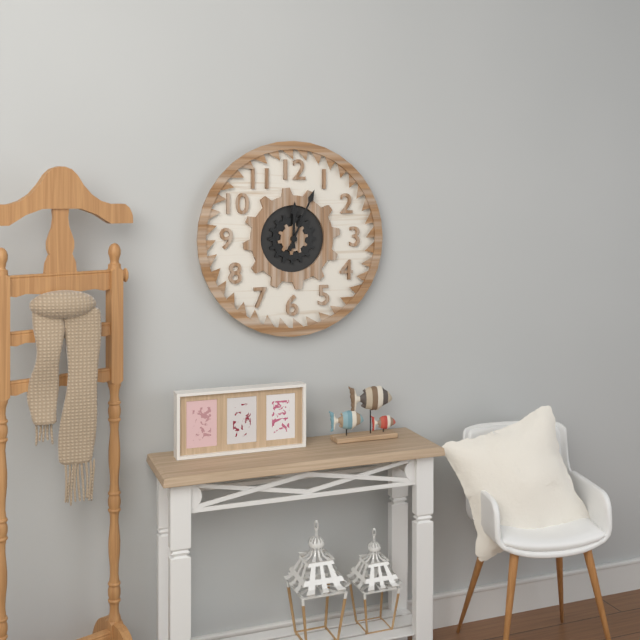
12.04
